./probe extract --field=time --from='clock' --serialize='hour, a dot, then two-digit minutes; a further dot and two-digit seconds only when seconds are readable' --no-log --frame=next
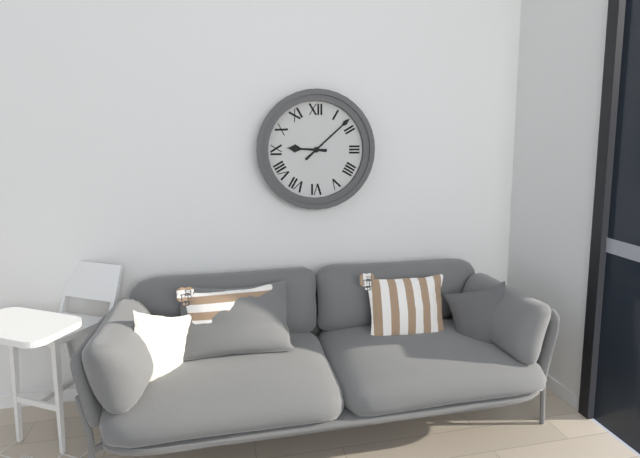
9.08
